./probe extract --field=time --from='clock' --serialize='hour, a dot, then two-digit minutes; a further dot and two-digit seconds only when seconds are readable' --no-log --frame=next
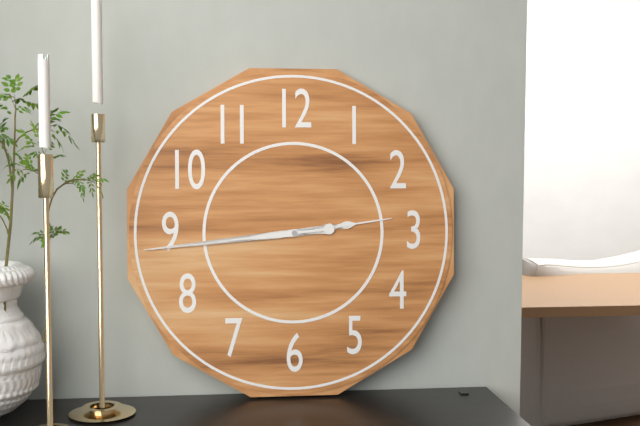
2.44
